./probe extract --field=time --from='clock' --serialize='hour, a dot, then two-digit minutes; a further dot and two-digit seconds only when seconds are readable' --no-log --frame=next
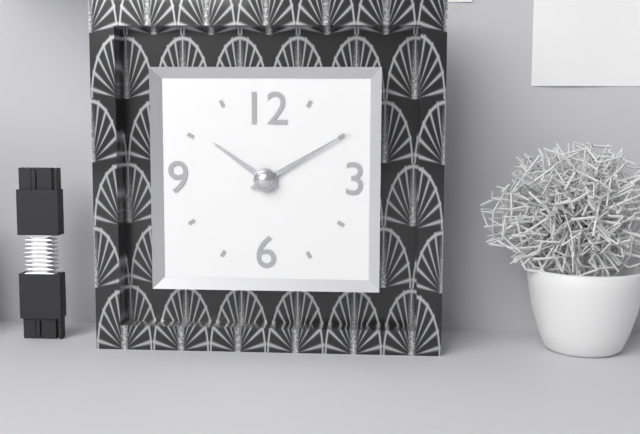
10.10
